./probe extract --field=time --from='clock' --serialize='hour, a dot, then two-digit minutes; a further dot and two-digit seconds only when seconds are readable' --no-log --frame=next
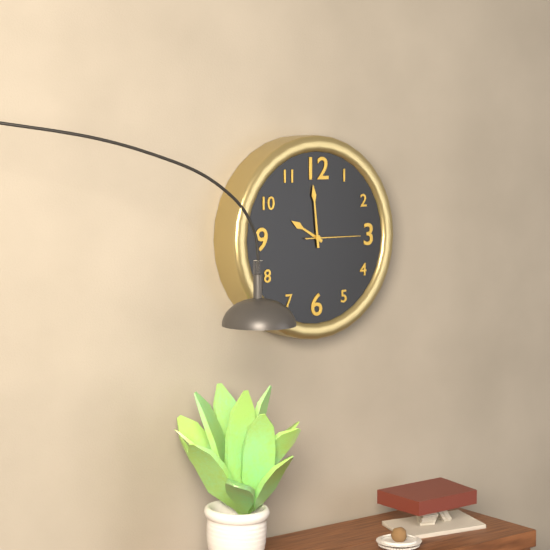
9.59.15
